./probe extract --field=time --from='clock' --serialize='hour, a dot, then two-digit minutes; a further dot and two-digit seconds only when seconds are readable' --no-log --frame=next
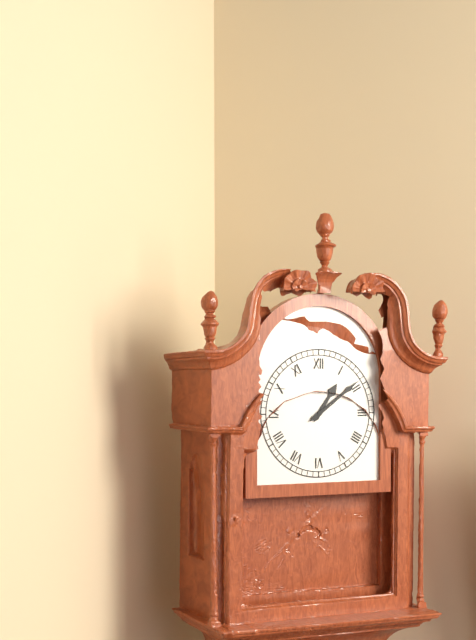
1.09
